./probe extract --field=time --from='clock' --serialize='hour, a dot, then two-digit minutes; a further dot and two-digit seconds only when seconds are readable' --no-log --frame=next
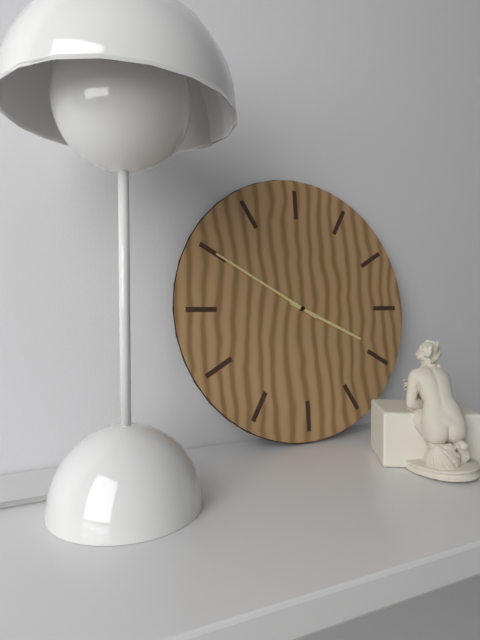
3.50
